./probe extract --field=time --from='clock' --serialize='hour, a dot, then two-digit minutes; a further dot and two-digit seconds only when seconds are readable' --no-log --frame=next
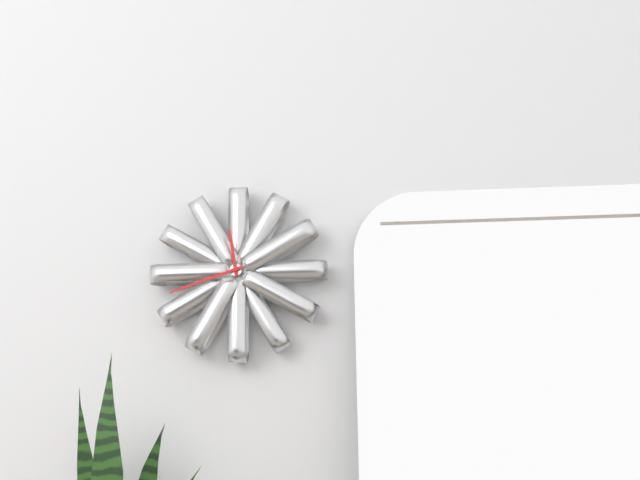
11.42
